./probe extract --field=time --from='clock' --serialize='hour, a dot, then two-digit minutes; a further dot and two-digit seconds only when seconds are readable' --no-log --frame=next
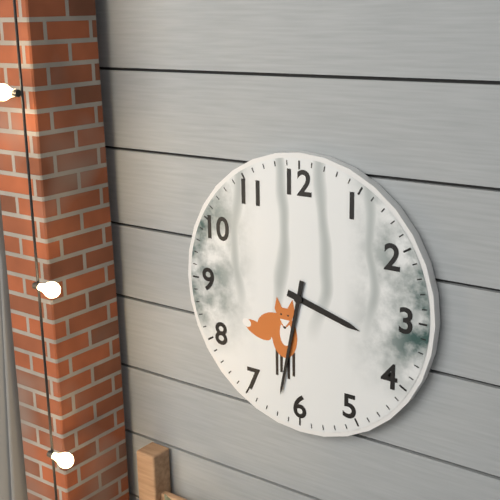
3.32
